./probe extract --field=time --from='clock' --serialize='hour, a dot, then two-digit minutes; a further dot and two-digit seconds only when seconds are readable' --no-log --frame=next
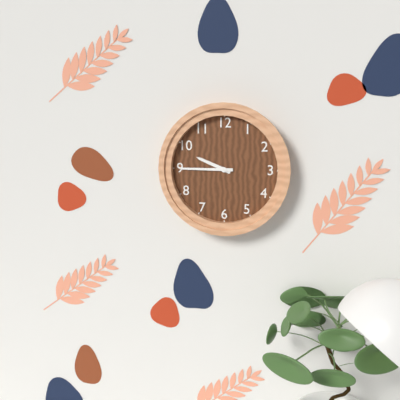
9.45
